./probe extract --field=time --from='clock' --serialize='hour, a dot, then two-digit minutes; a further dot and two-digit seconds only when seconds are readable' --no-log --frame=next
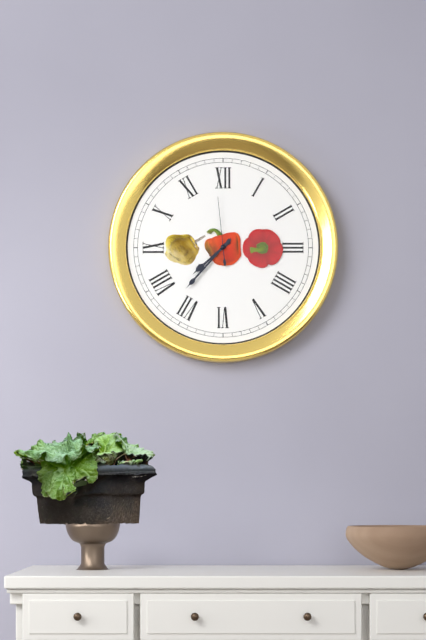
7.37.59
